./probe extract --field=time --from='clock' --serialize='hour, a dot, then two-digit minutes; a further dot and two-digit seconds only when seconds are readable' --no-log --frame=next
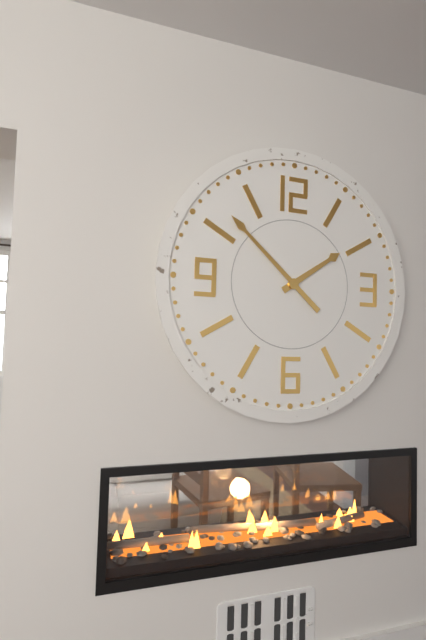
1.52
